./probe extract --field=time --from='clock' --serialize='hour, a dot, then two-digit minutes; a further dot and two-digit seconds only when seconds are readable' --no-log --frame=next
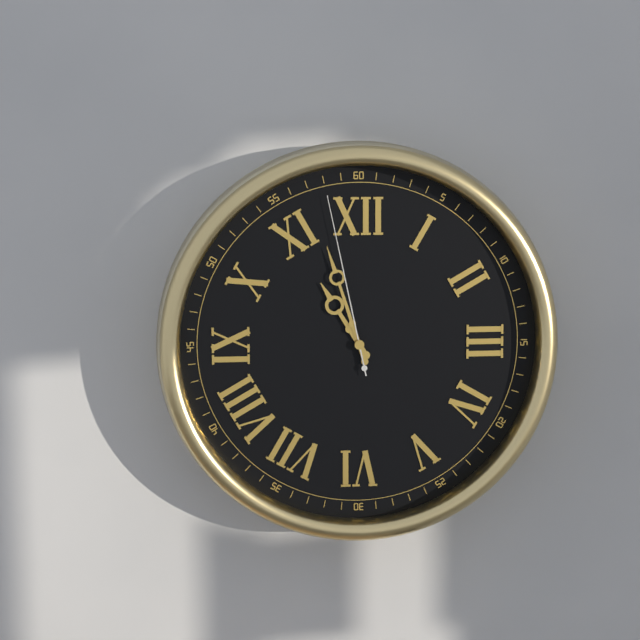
10.57.58
